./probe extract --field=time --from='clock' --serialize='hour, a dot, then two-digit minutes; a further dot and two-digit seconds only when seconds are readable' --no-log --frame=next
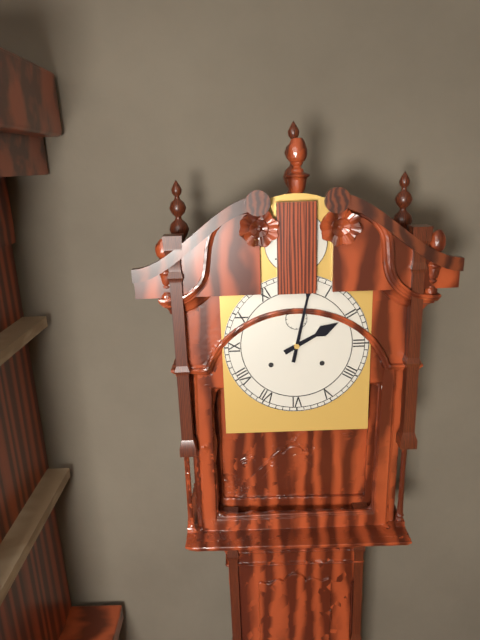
2.02
